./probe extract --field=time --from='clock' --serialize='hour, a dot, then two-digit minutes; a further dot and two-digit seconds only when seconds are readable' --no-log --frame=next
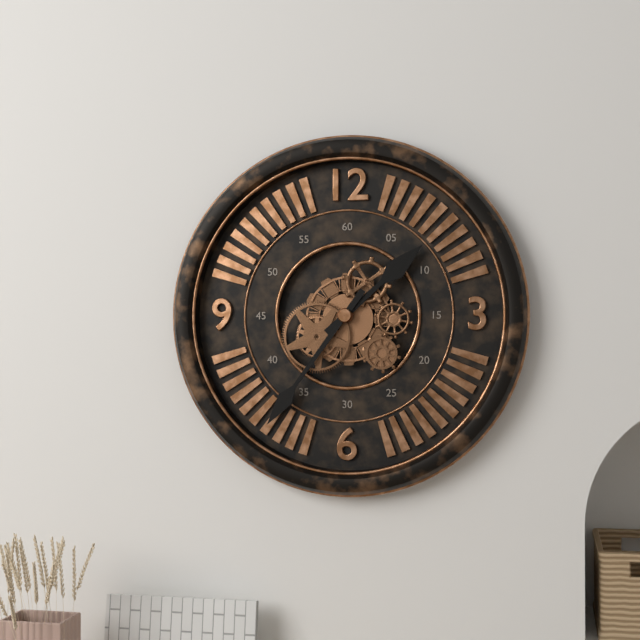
1.36
